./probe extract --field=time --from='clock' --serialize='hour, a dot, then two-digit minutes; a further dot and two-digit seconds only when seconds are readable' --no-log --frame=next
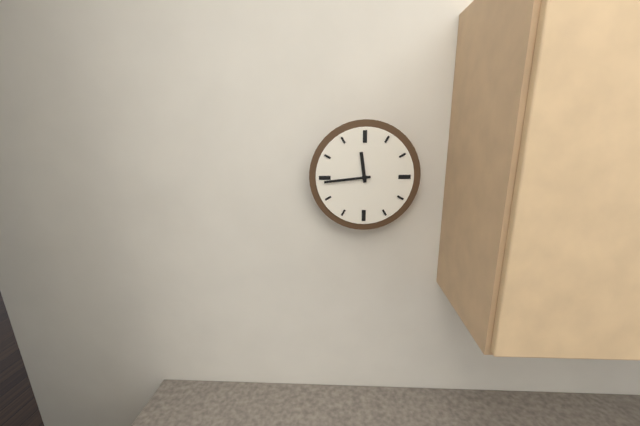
11.44
